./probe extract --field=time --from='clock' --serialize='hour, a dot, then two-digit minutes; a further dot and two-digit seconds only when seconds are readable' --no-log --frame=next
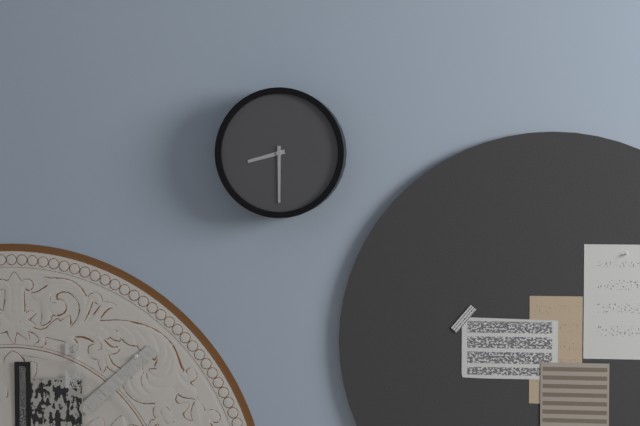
8.30
